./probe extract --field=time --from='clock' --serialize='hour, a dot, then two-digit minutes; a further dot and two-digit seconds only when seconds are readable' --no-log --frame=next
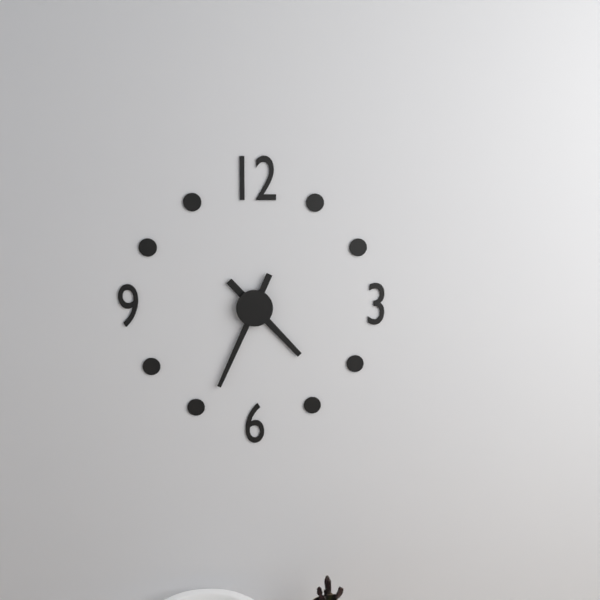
4.34
